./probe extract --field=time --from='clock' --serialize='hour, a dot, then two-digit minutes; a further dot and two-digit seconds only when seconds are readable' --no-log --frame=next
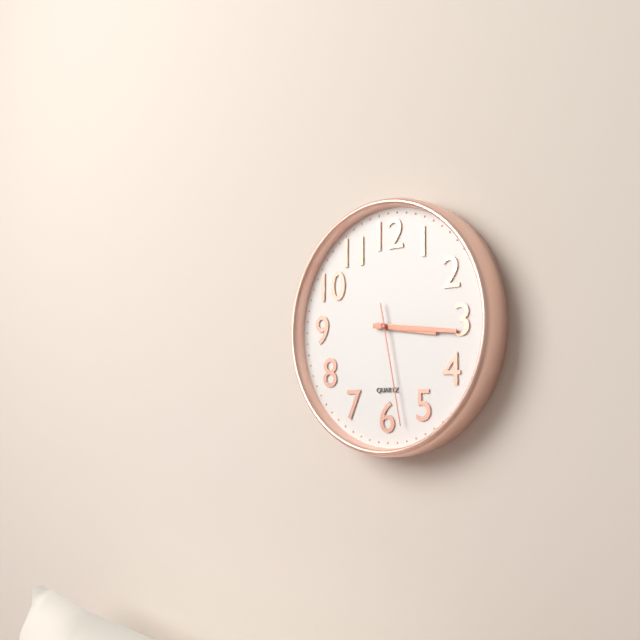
3.16.28
